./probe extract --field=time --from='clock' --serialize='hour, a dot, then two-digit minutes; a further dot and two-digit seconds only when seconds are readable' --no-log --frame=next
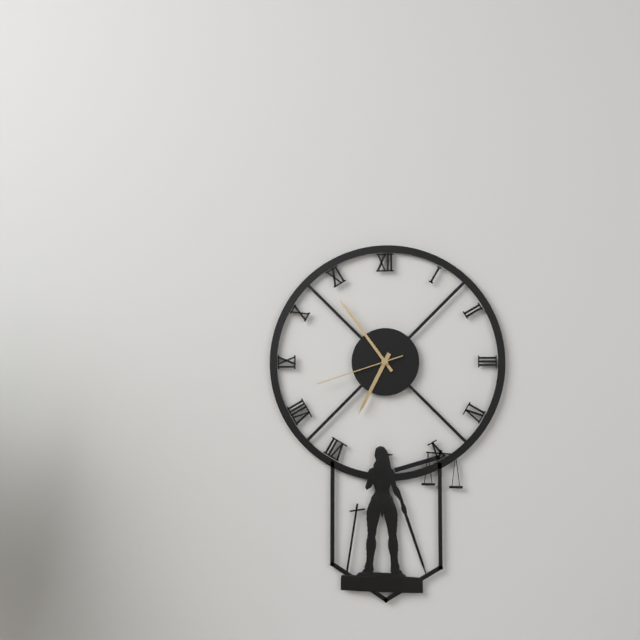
6.54.42
